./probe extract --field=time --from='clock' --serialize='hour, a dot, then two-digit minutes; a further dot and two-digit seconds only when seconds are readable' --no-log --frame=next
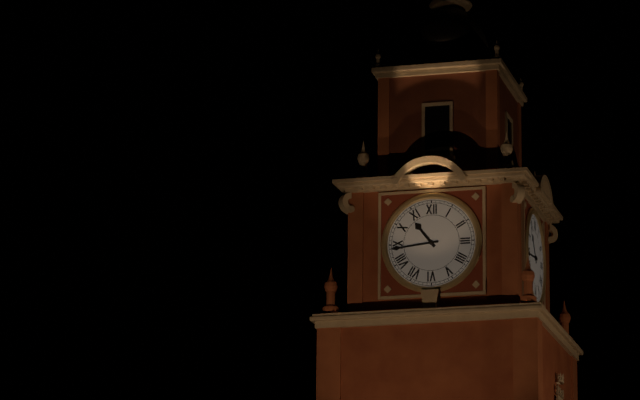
10.44
